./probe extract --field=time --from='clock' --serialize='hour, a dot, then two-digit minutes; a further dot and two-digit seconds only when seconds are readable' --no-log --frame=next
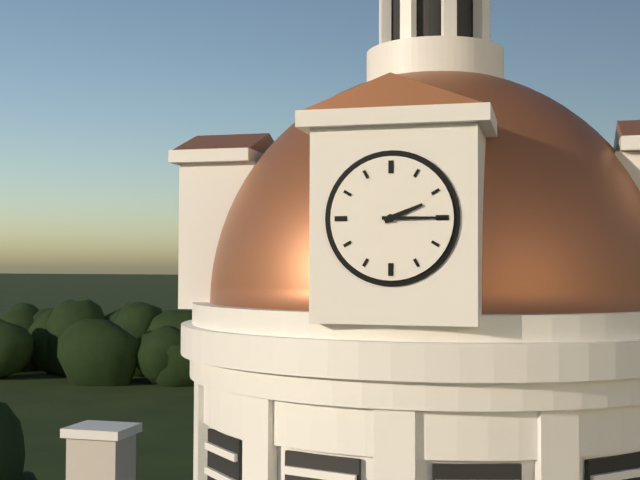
2.15
